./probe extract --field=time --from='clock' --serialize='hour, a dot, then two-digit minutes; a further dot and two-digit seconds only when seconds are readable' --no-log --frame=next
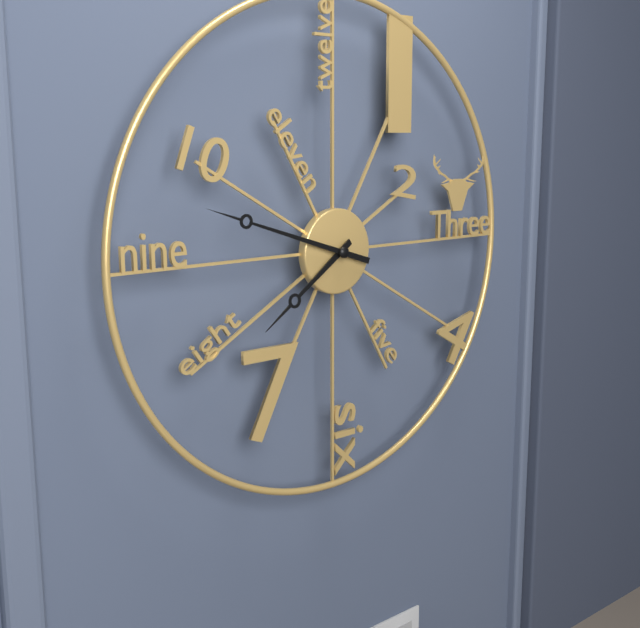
7.48
